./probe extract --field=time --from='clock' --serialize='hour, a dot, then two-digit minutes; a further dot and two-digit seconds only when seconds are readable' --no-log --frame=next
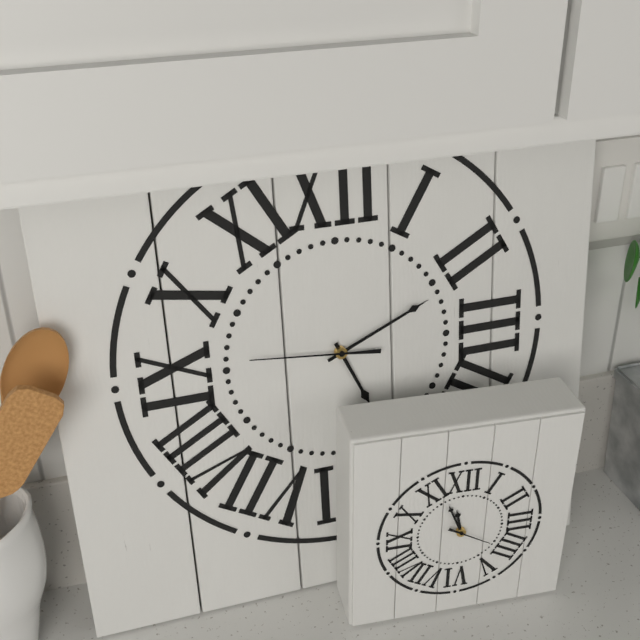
5.11.46
